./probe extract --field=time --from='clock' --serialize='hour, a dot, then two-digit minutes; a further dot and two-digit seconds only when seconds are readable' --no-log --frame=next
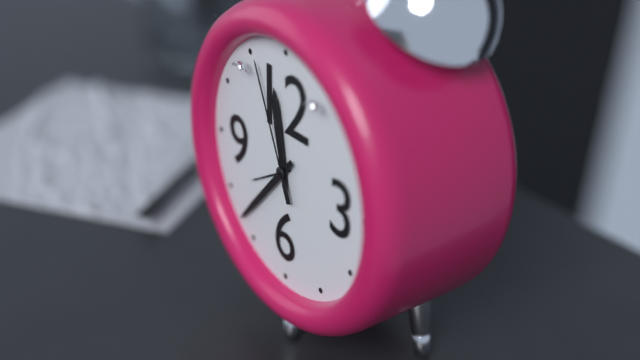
11.37.56
